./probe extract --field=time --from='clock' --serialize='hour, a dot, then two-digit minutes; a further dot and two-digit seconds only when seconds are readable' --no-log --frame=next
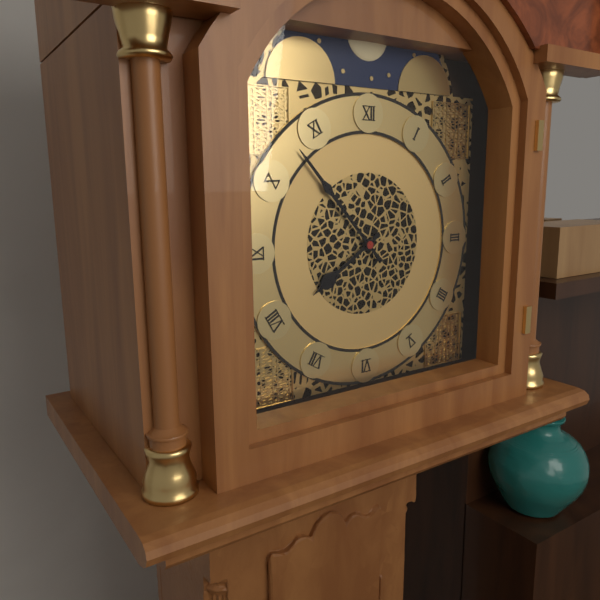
7.53
